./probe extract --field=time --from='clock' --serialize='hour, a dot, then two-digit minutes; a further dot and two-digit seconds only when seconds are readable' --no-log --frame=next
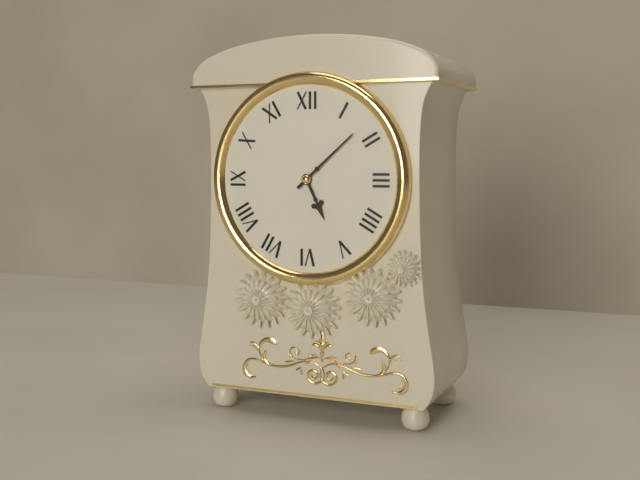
5.08
